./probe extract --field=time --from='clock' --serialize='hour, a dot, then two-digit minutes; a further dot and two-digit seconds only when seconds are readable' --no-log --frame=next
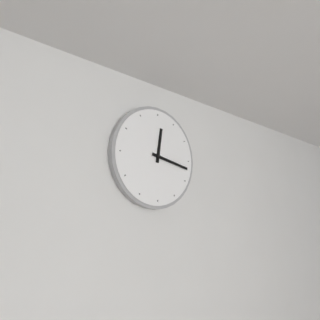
12.17
